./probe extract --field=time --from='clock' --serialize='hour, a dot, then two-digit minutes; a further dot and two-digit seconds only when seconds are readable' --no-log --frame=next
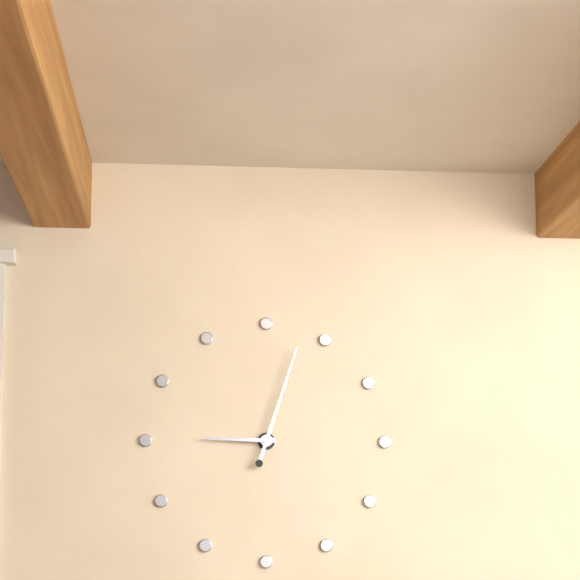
9.03
